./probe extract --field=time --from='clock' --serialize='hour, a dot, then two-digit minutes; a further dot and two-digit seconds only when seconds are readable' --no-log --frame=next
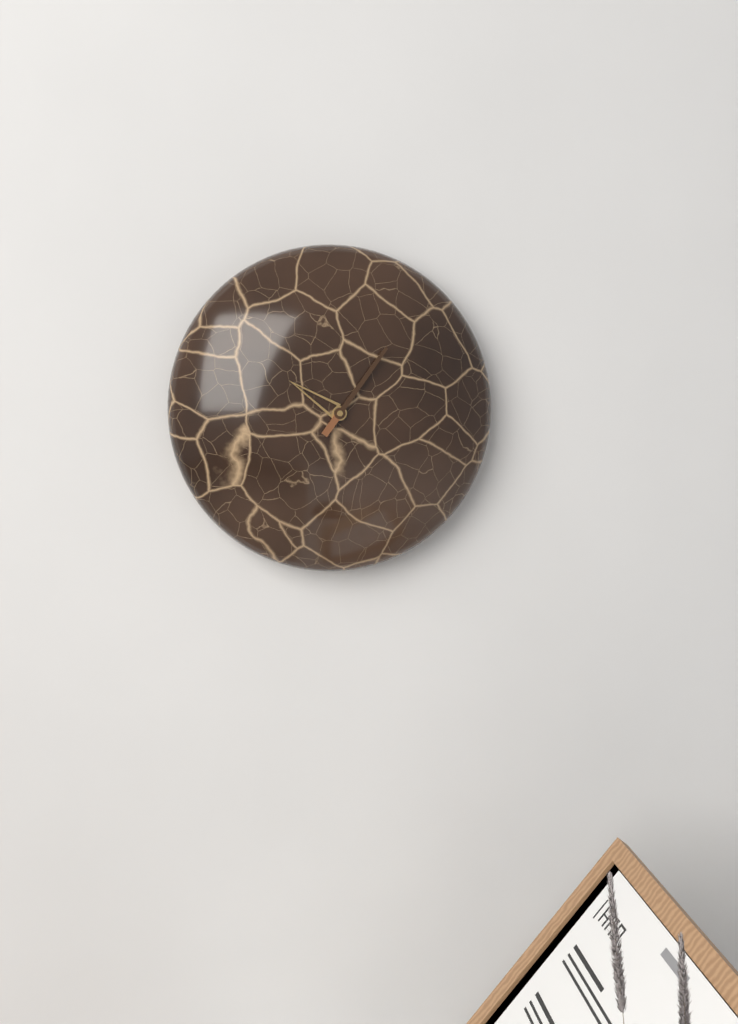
10.06
